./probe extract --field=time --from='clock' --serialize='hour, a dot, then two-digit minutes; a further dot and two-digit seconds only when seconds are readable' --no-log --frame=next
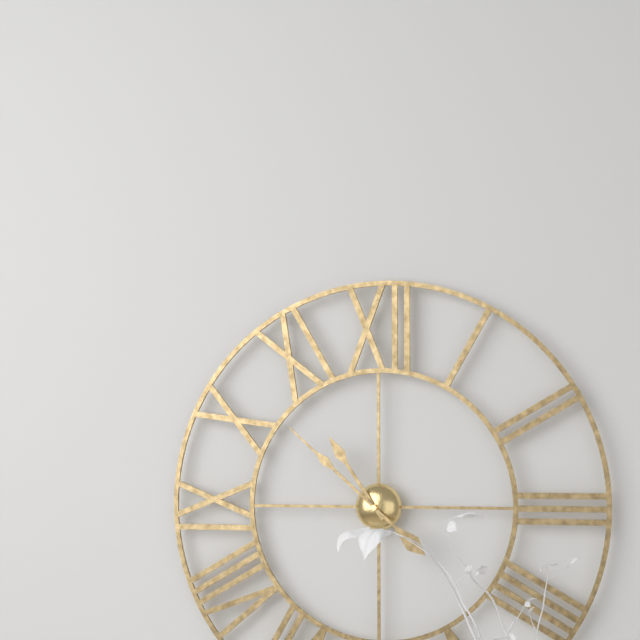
10.52
